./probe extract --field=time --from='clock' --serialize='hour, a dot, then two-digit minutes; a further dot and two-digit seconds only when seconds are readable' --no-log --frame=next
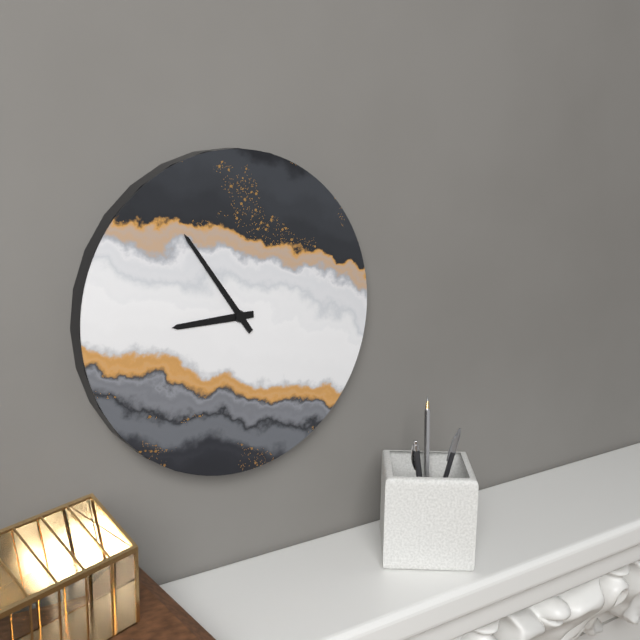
8.54
